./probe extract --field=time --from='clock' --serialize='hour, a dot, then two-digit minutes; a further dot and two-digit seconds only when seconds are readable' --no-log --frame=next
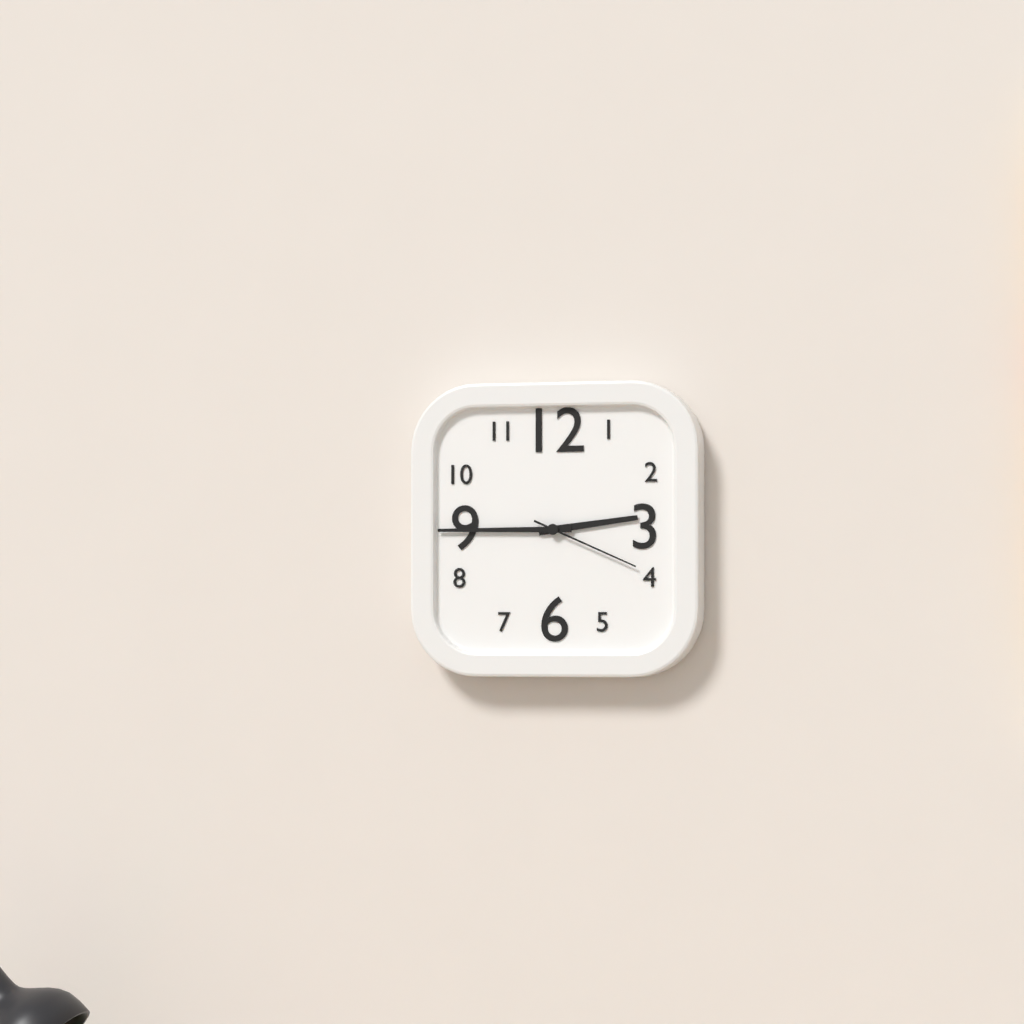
2.45.19
